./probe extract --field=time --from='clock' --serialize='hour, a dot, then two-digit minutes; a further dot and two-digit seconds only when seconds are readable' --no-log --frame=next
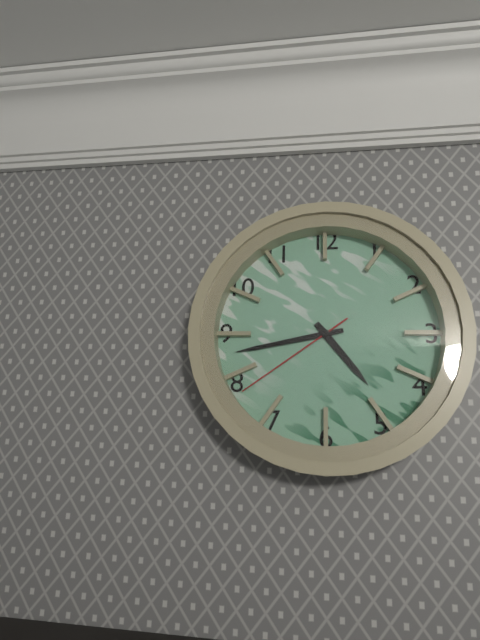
4.43.39
